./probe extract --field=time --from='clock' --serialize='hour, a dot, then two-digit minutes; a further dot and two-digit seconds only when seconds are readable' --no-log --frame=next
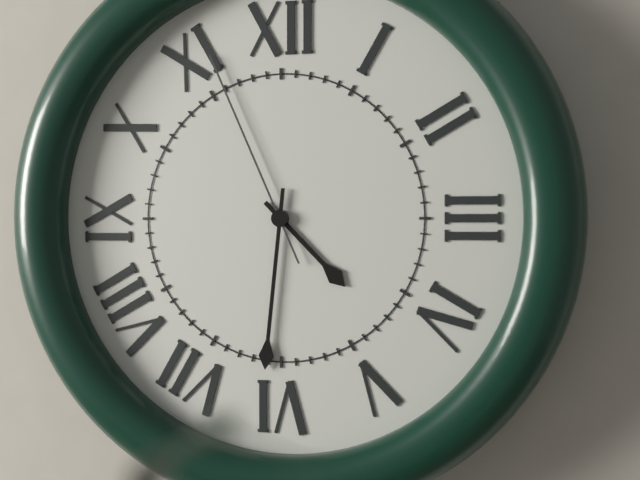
4.31.56
